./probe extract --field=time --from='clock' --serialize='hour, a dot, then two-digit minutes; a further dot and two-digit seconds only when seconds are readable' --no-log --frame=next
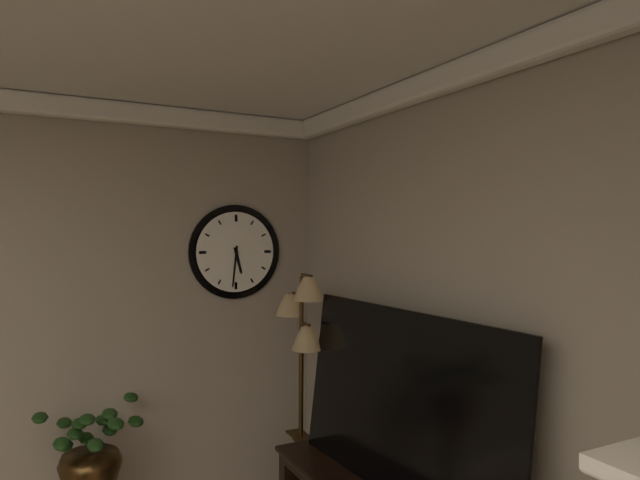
5.31
